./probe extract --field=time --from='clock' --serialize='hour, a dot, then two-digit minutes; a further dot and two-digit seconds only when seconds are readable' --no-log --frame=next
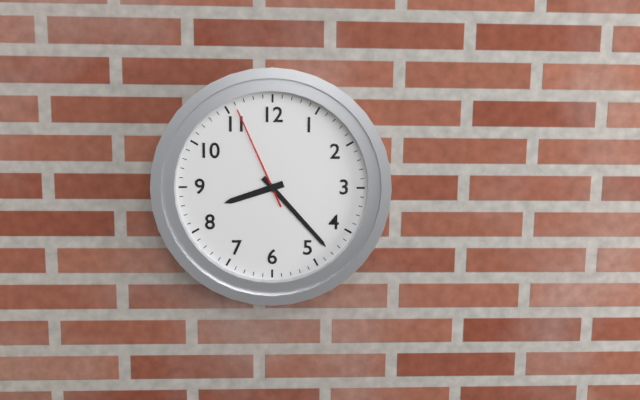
8.23.56
